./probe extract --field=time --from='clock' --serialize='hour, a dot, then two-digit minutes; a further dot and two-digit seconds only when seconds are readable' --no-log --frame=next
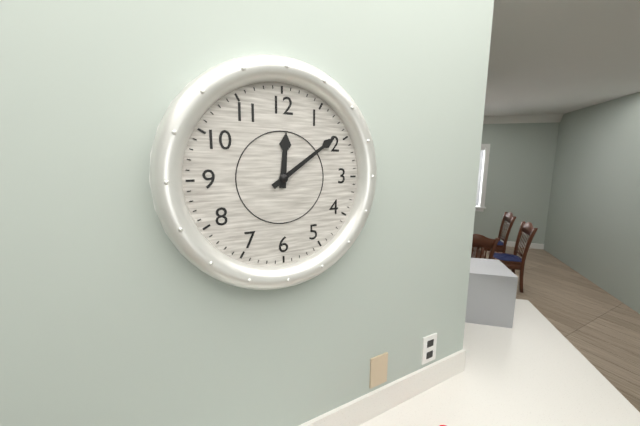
12.09
